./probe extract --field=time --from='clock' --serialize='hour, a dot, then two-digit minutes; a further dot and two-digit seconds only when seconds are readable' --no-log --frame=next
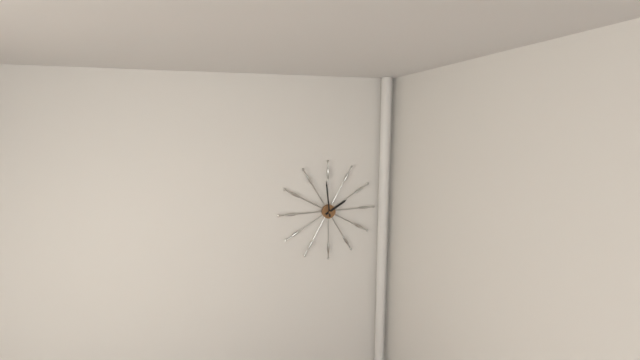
1.59
